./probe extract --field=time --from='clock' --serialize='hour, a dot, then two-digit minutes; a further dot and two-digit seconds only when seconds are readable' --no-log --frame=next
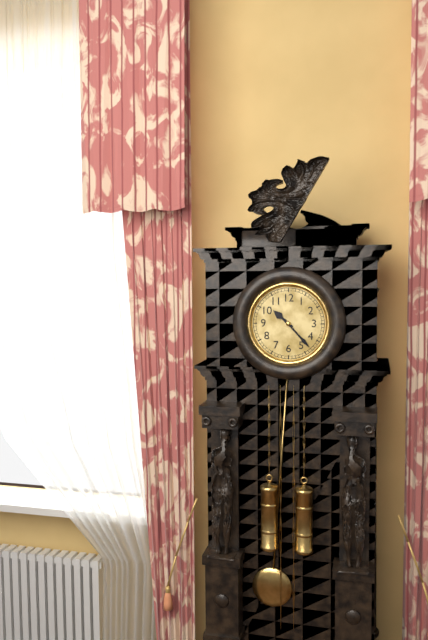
10.23
